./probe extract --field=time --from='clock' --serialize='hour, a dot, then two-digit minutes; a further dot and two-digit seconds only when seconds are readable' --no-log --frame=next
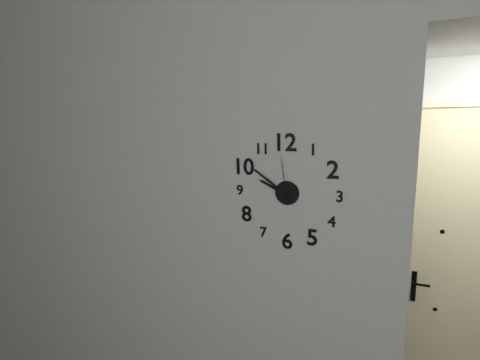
9.51
